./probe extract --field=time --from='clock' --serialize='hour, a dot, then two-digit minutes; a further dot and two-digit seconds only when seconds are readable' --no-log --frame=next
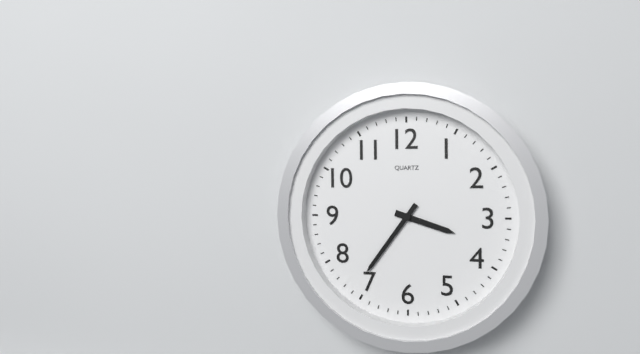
3.36
